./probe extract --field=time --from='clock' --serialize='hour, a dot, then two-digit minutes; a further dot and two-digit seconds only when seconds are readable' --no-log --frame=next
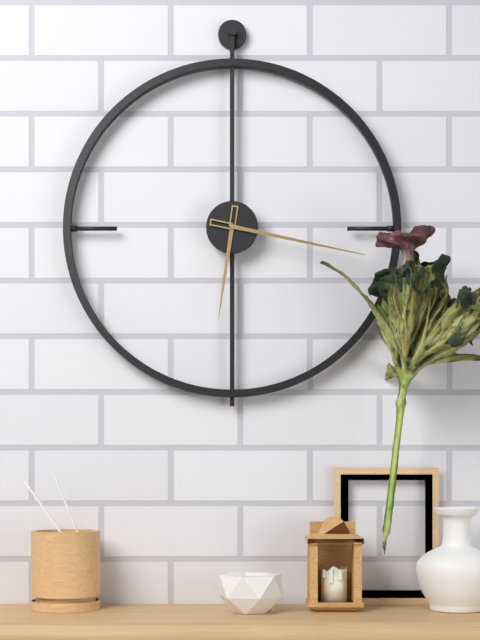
6.17
